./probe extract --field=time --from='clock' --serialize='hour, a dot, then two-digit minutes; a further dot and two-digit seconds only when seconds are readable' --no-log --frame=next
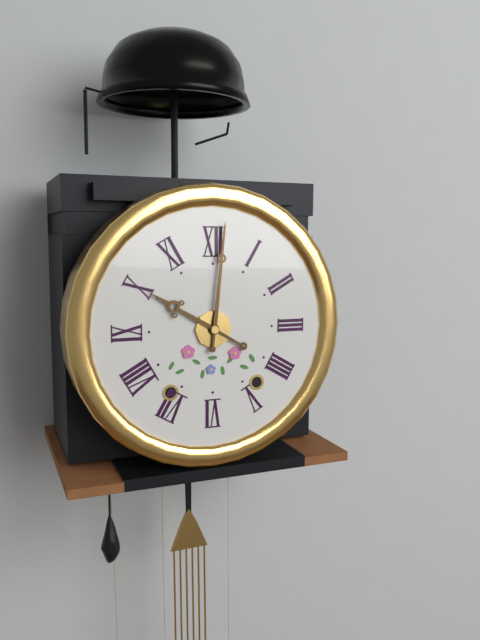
10.01
